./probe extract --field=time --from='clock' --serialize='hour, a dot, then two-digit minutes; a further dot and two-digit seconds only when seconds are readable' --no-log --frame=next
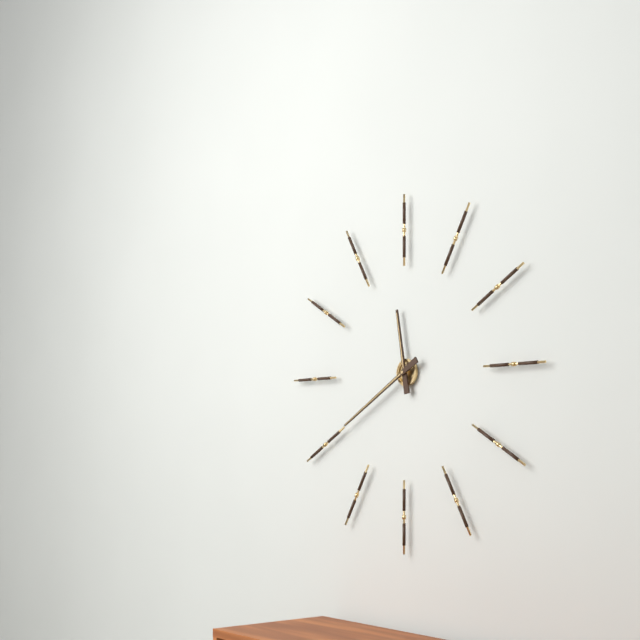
11.40
